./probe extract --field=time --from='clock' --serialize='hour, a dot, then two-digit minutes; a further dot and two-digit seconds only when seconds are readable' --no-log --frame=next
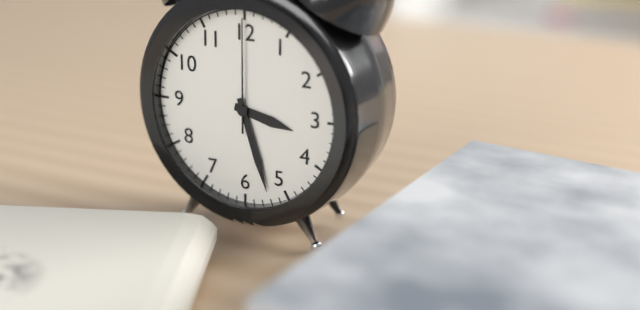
3.27.00
